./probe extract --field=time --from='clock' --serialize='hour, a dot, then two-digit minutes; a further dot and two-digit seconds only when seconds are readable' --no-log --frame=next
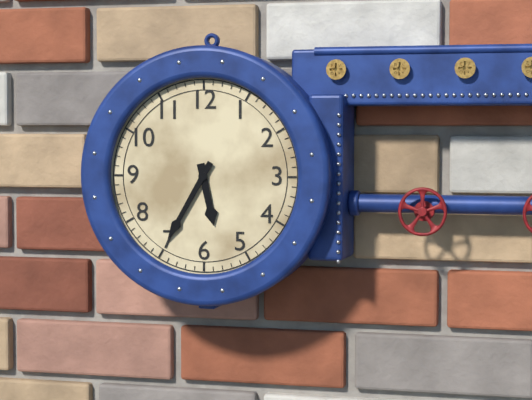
5.35
